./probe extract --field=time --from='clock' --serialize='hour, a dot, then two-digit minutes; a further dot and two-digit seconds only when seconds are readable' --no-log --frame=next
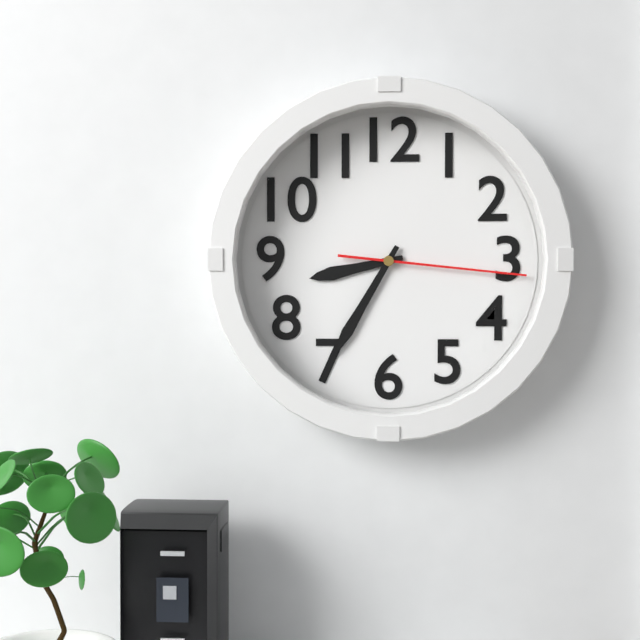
8.35.16
